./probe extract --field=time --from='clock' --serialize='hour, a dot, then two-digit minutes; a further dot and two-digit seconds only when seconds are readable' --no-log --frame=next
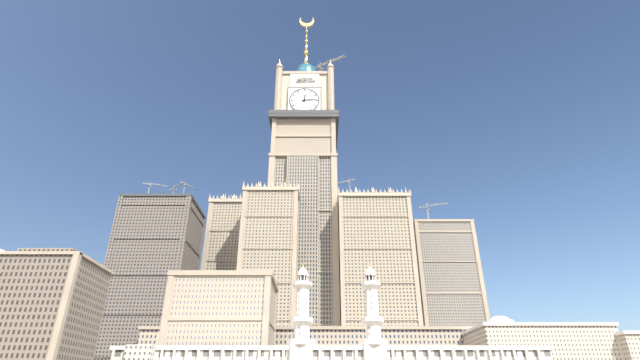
12.14
